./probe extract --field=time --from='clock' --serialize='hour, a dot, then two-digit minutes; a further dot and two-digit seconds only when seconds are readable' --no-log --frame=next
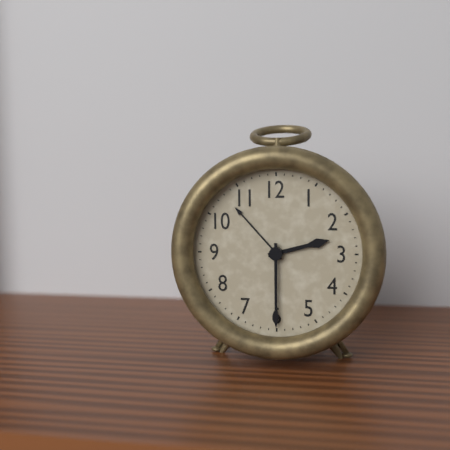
2.30
